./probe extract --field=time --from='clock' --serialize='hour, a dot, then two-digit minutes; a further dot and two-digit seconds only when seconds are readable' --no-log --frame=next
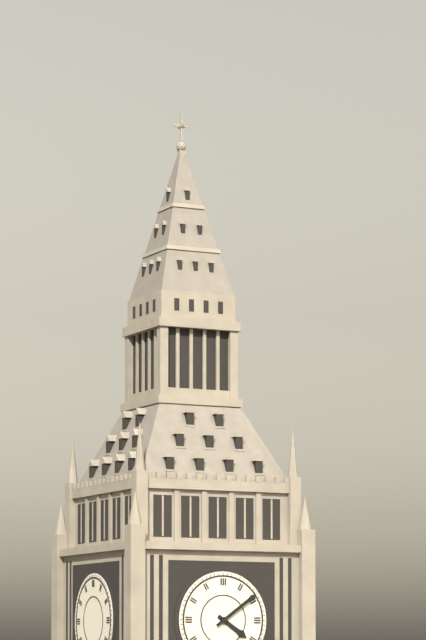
4.09
